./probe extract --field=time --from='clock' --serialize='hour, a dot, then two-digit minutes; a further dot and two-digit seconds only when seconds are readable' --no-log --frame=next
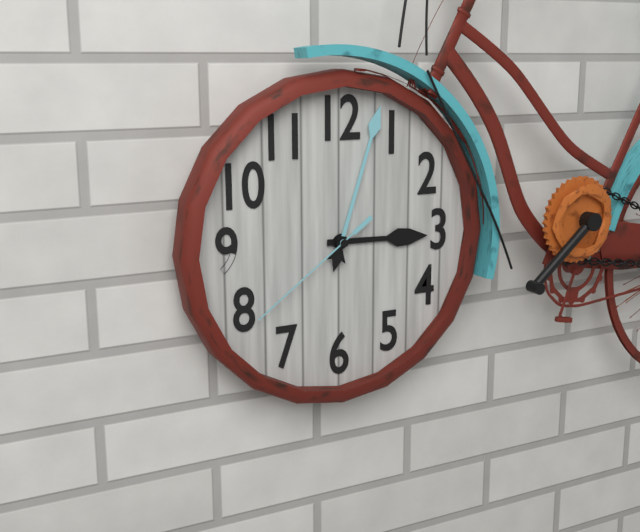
3.03.39
